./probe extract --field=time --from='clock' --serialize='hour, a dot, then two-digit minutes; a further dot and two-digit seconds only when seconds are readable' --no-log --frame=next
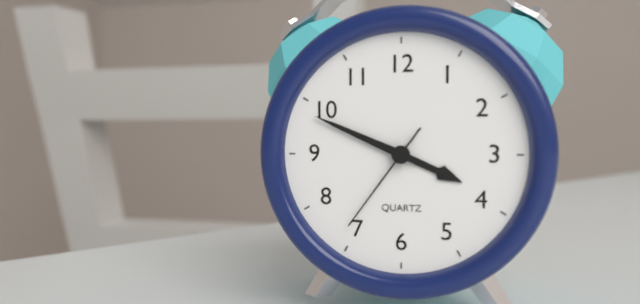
3.49.36
